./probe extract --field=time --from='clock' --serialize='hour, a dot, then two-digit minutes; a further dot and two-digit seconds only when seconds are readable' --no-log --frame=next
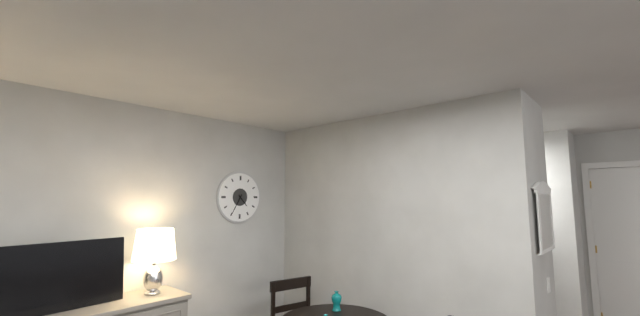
4.35
